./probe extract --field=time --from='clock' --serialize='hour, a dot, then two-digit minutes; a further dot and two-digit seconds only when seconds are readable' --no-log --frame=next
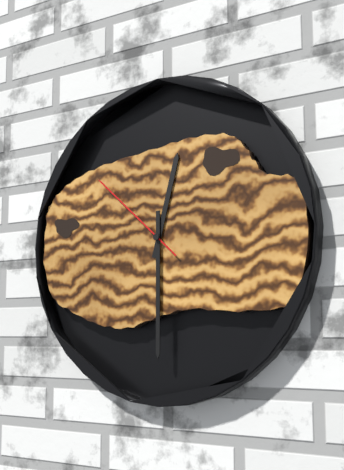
12.30.52
